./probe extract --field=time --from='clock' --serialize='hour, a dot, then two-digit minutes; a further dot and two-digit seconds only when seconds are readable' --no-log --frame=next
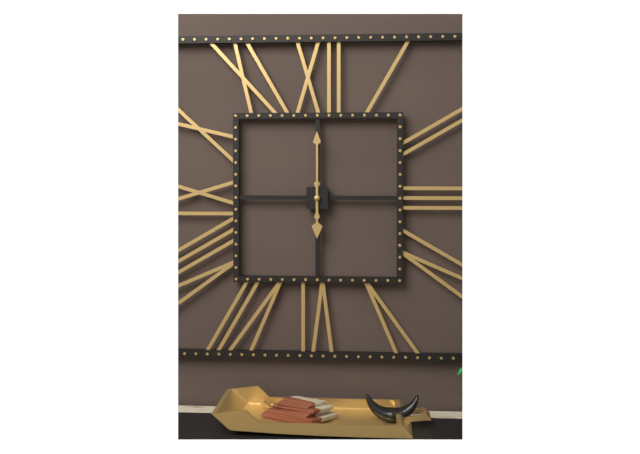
6.00
